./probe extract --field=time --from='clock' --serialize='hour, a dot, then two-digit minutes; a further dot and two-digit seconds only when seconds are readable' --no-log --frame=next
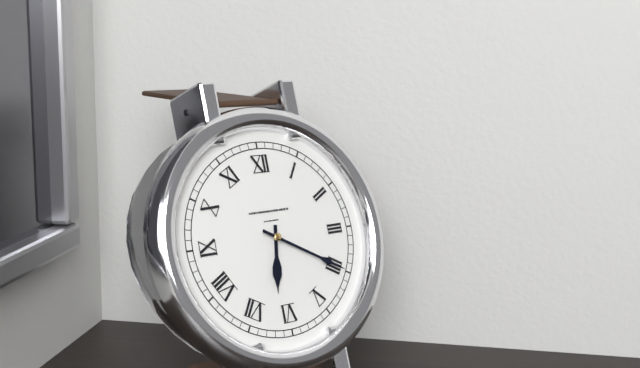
6.20
